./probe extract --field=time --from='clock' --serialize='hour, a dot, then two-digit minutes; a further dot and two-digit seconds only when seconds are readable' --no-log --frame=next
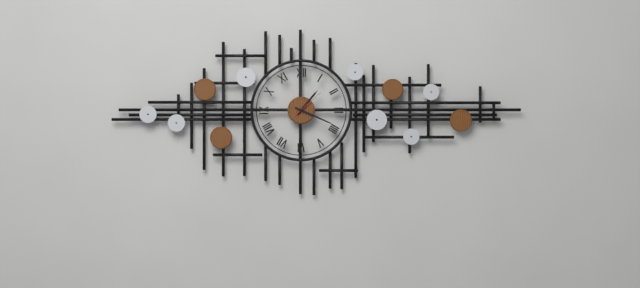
1.19
